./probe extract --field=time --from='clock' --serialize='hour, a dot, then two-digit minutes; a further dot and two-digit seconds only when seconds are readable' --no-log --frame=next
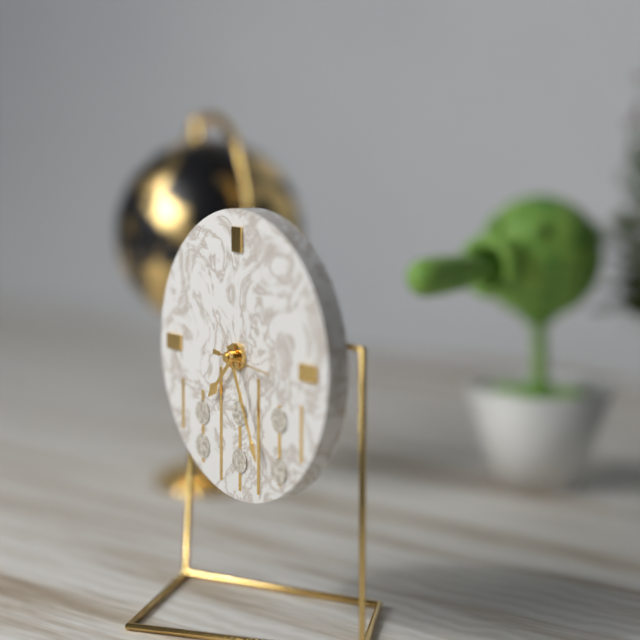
7.26
